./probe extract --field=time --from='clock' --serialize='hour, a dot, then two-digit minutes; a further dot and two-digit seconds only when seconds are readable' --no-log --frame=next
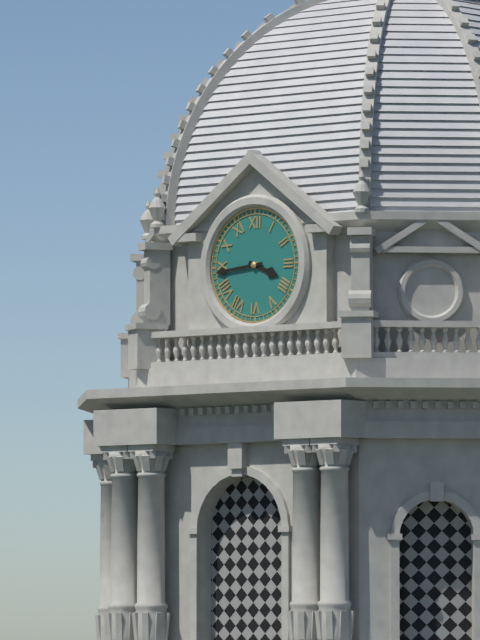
3.44
